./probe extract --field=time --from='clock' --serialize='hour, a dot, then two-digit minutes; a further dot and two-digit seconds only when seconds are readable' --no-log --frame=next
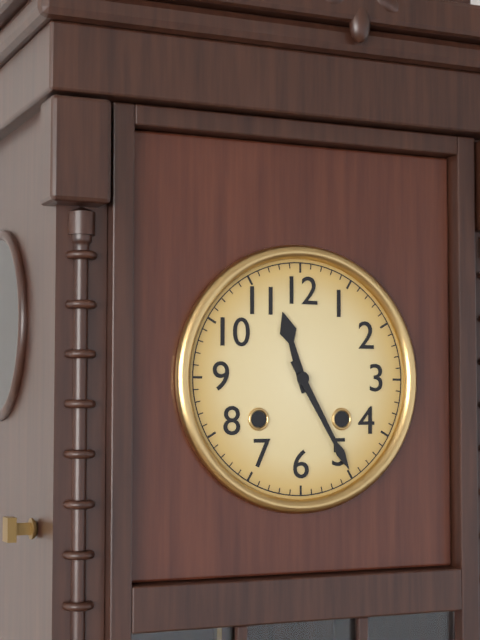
11.25
